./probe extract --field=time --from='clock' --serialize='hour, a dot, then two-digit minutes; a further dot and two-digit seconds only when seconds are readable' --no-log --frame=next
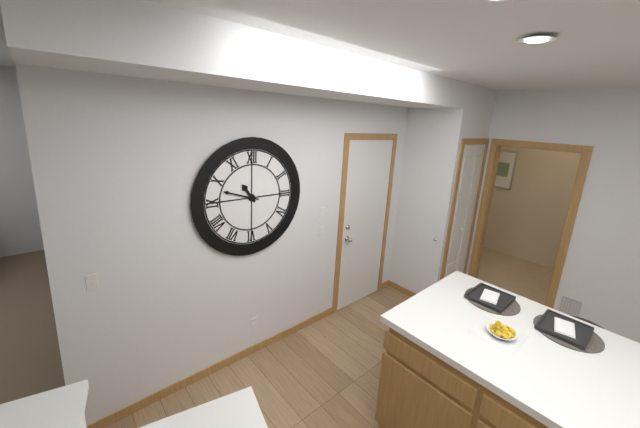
10.48
